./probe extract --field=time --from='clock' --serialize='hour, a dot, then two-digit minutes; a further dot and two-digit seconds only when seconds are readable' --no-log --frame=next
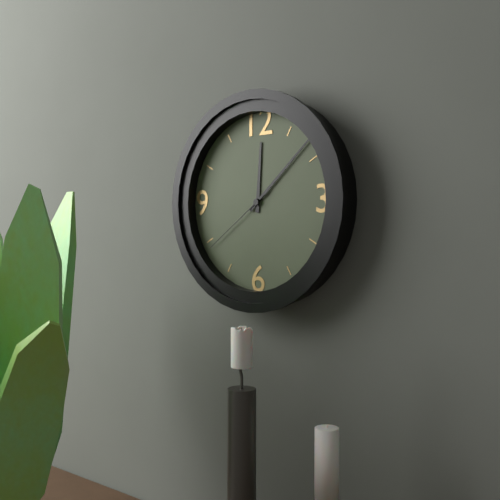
12.08.39
